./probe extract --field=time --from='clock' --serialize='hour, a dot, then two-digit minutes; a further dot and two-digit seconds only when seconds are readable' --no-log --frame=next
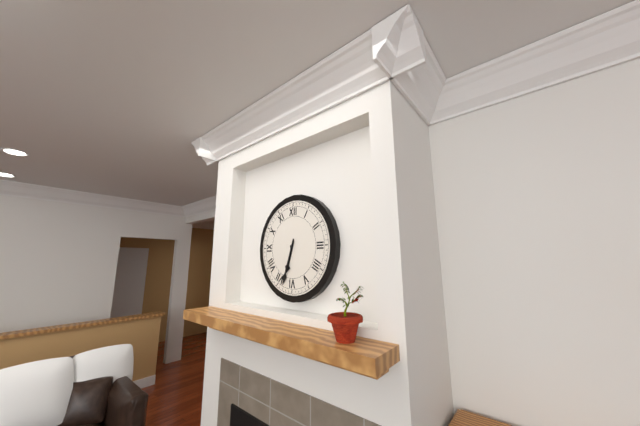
6.33
